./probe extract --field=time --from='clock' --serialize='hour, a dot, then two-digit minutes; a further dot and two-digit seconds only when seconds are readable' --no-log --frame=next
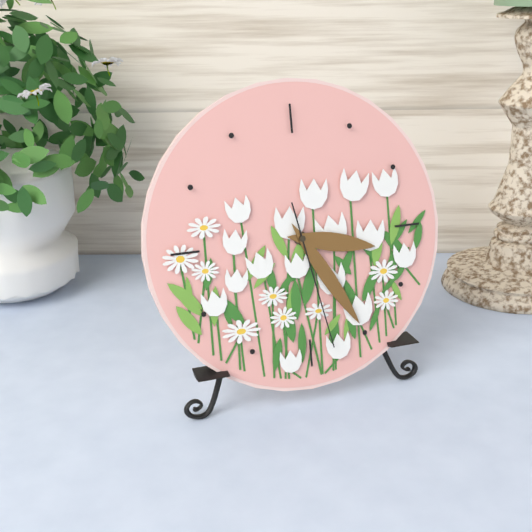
3.25.28
